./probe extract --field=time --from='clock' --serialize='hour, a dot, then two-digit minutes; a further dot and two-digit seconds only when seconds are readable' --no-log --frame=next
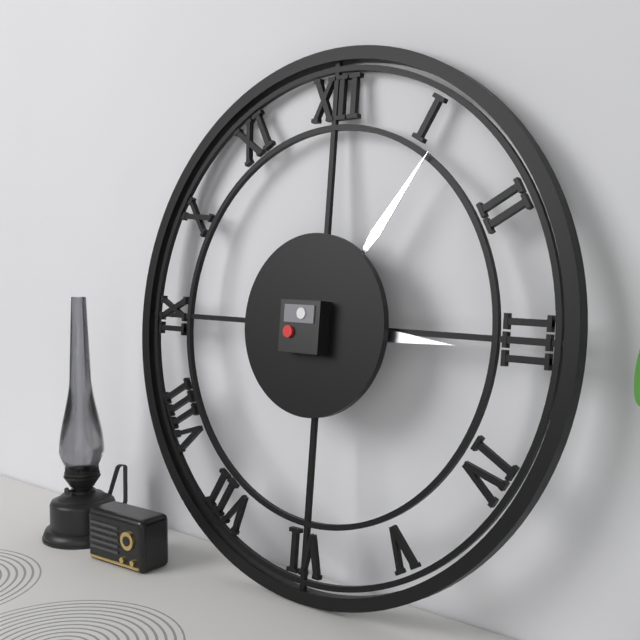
3.06
